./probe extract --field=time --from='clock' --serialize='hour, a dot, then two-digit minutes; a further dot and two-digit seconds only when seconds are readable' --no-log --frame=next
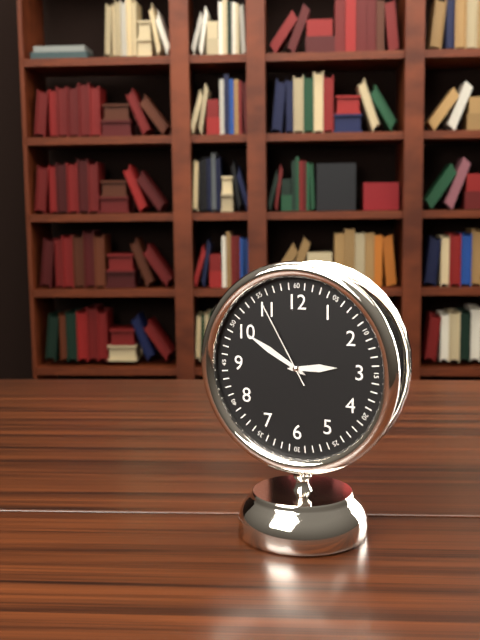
2.50.55
